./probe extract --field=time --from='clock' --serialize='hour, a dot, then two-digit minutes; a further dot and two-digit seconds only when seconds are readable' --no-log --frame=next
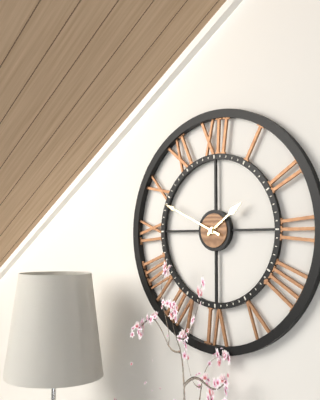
1.49
